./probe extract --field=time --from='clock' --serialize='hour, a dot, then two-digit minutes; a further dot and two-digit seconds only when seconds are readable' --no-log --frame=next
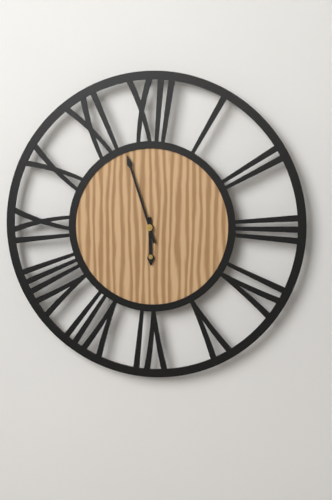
5.57
